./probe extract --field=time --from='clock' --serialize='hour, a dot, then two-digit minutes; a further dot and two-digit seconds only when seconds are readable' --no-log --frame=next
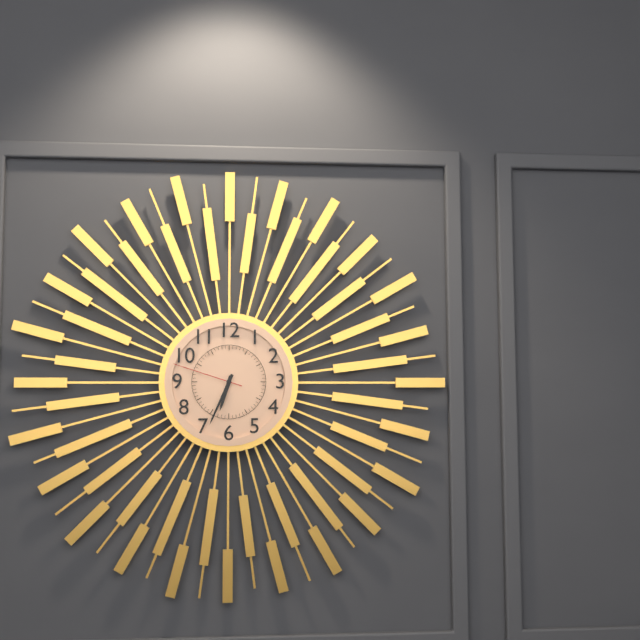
6.34.48
